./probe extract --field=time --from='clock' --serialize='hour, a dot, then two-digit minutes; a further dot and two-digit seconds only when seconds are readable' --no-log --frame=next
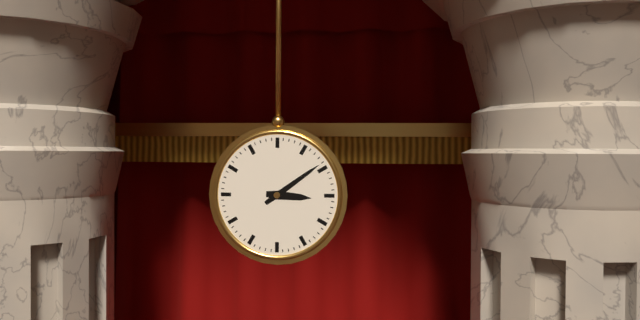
3.09
